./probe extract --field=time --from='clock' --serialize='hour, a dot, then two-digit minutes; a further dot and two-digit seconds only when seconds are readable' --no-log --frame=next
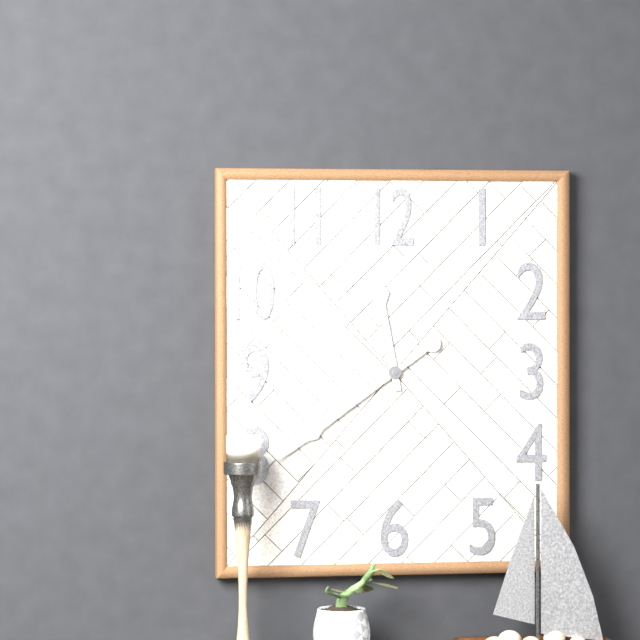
11.39
